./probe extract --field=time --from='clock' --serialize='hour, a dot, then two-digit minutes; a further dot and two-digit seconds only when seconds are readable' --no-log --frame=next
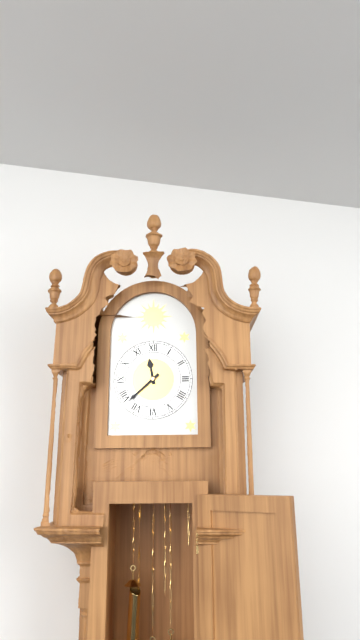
11.38
